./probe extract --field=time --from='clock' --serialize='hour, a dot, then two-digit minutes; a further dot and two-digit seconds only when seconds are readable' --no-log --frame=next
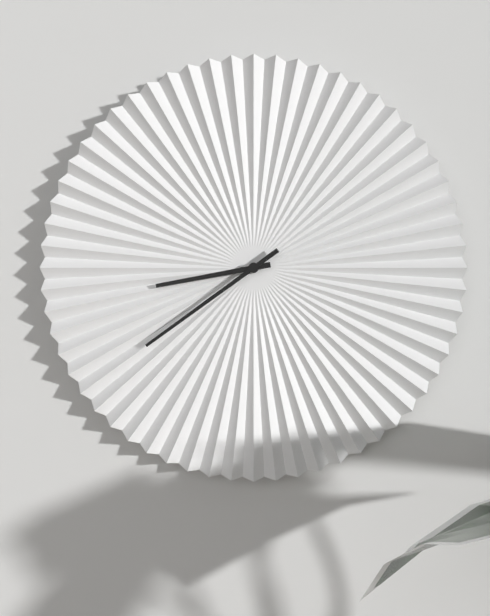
8.39
